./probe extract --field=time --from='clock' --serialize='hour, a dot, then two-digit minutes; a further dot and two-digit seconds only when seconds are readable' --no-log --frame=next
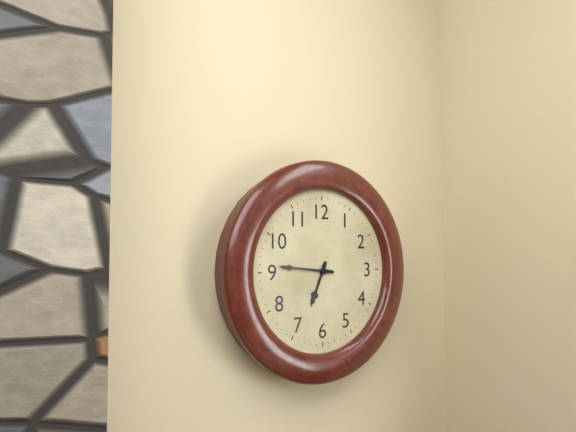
6.46
